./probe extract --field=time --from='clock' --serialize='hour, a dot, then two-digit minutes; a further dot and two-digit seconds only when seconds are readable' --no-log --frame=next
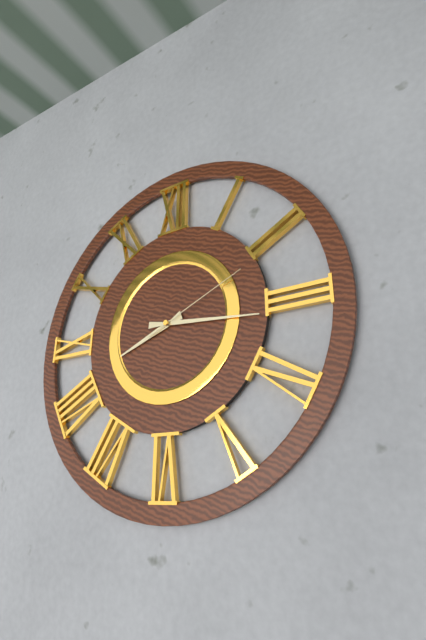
8.16.11
